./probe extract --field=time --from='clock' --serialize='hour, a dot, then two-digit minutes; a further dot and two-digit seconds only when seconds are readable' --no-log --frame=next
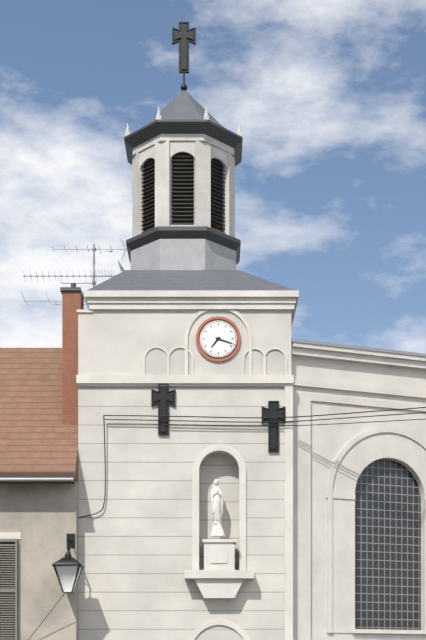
7.18
